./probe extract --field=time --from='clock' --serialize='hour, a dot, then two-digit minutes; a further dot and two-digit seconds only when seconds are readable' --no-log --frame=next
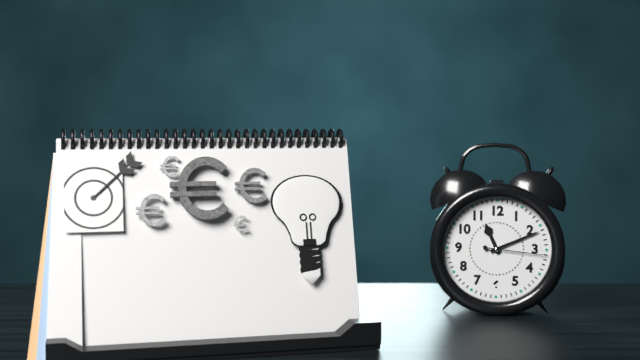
11.11.16
